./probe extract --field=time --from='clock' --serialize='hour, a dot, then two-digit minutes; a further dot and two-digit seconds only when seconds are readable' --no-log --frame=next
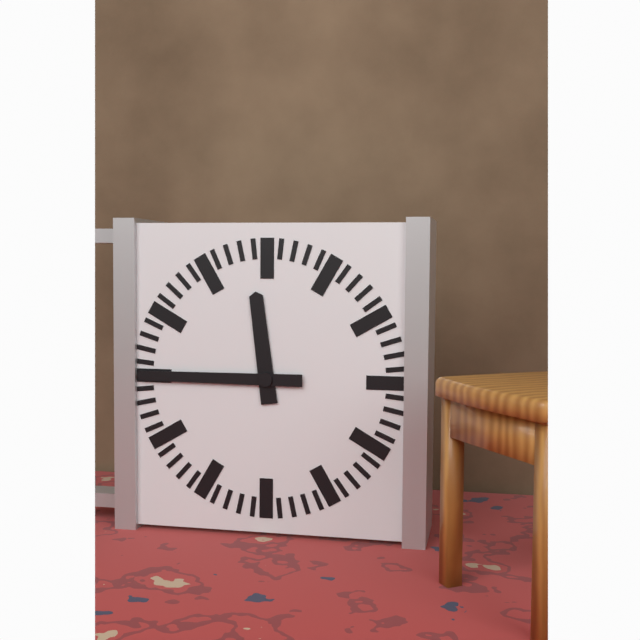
11.45
